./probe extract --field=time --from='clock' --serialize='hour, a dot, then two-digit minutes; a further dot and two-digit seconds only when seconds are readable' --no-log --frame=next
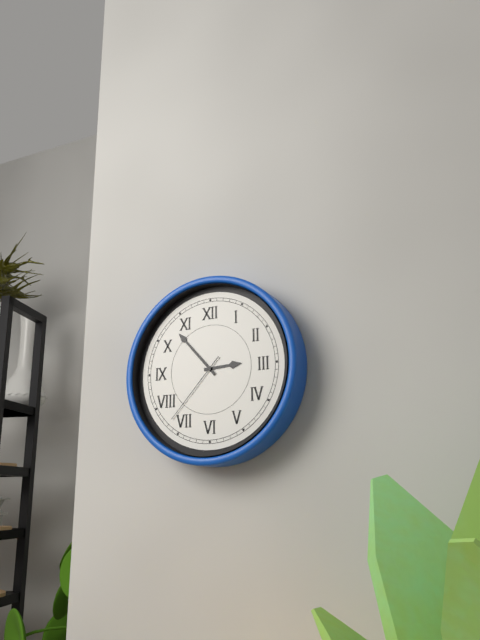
2.53.37
